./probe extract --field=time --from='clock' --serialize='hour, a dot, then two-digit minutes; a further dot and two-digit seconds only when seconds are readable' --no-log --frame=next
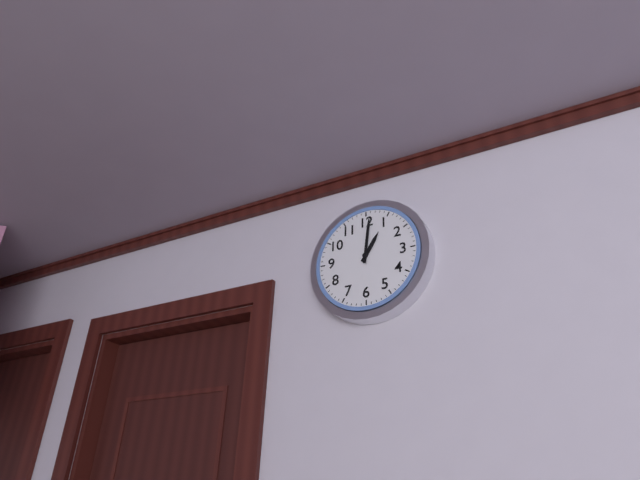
1.01
